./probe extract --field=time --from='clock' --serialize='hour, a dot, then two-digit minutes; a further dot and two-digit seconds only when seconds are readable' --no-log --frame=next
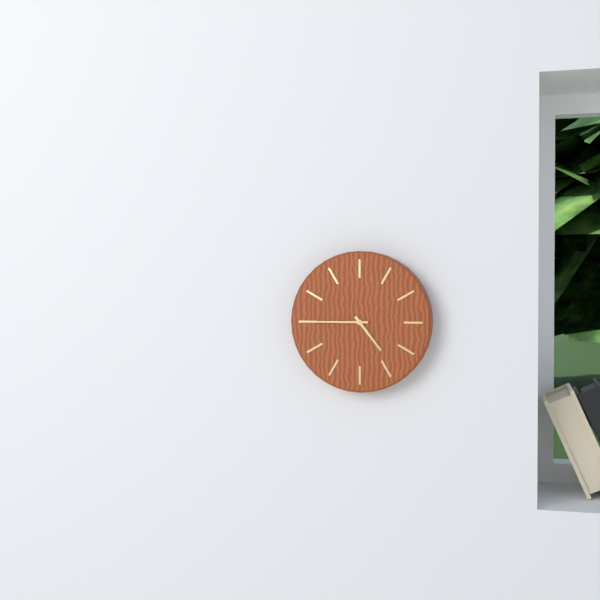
4.45
